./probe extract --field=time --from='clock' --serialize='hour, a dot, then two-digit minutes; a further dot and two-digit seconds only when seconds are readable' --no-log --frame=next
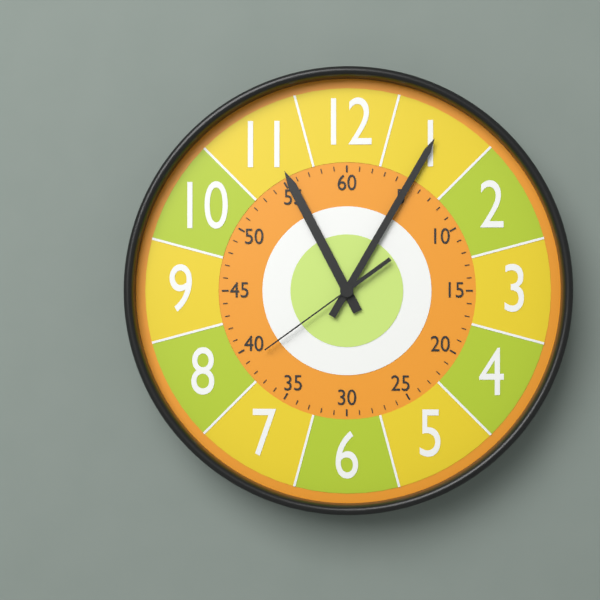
11.05.39
